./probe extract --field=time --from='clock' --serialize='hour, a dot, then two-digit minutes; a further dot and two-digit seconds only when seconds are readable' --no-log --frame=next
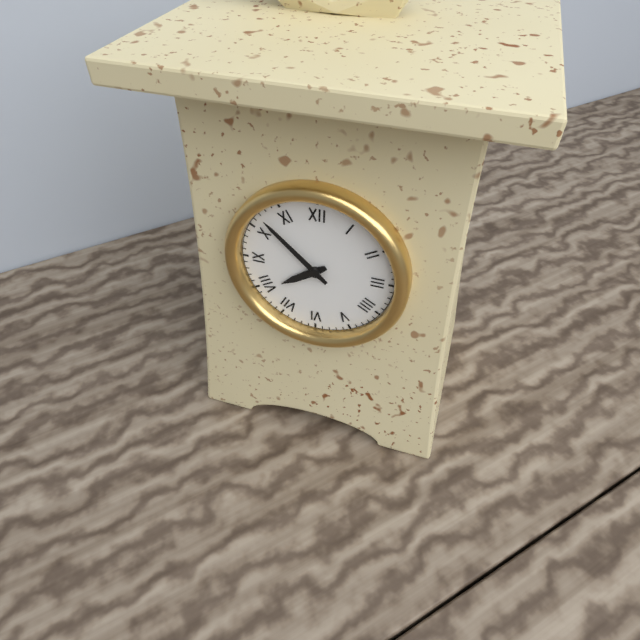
7.52
